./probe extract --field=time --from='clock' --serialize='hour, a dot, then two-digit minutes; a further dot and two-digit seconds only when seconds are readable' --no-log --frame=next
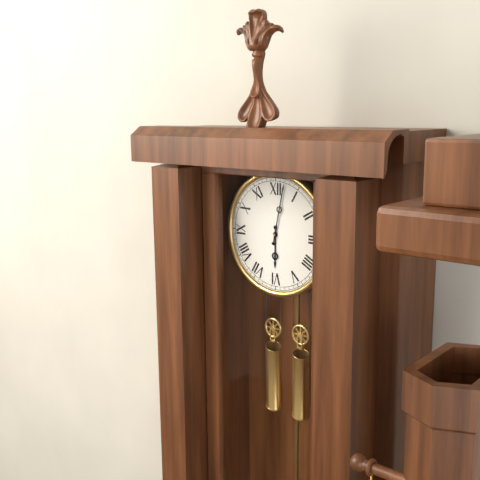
6.02
